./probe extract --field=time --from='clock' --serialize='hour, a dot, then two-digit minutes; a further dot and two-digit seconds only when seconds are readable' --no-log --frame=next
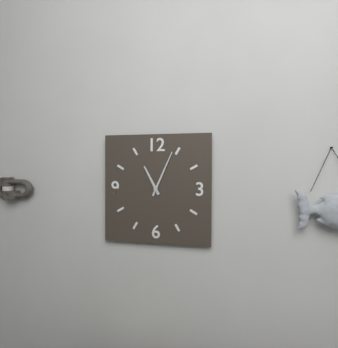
11.04
